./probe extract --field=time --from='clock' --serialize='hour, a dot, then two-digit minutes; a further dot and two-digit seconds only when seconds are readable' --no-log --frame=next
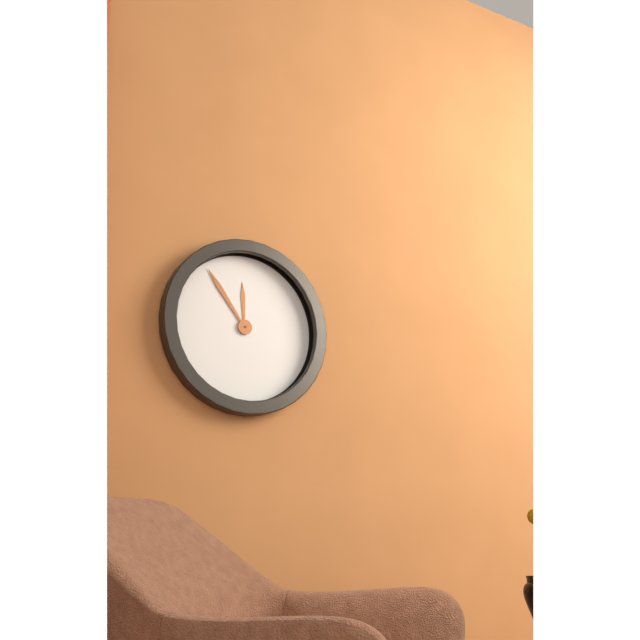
11.54
